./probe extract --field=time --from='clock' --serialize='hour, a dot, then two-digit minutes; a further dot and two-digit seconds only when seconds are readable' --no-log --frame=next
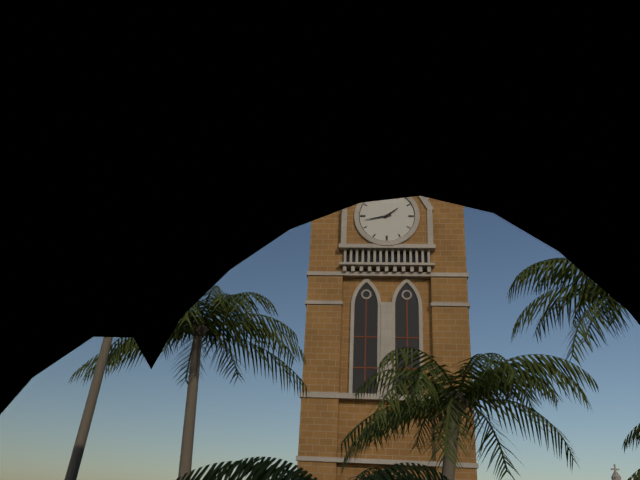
1.43
